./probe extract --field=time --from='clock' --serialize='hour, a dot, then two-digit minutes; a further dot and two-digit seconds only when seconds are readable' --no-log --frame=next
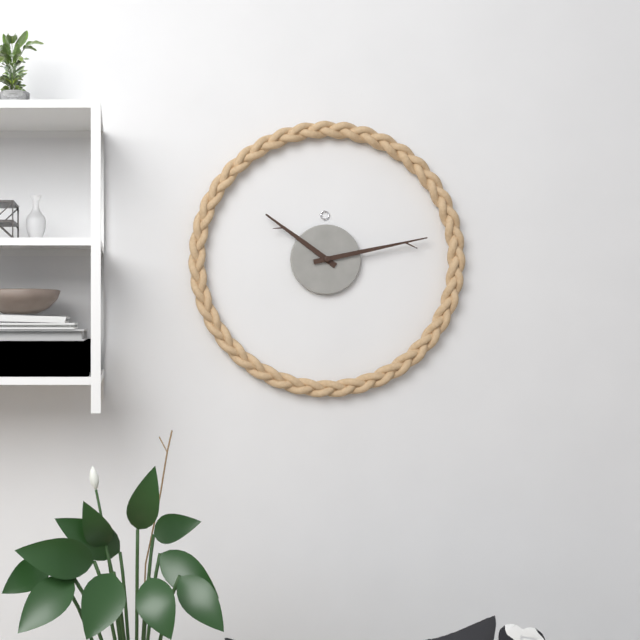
10.13
